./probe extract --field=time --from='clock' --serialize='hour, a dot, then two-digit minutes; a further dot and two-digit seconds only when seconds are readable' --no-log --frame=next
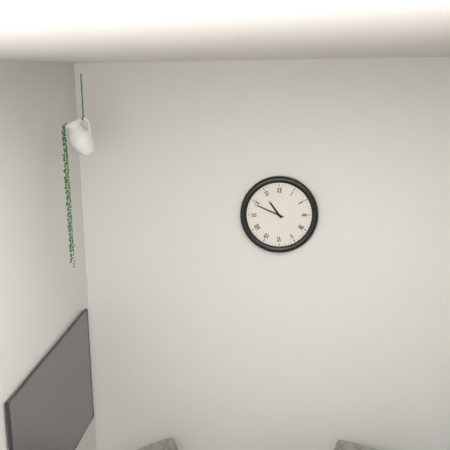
10.49
